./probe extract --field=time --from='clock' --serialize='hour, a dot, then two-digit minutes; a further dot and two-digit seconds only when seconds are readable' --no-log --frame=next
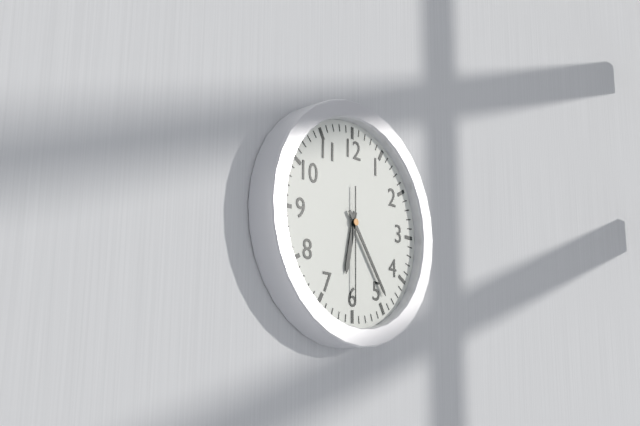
6.24.30
